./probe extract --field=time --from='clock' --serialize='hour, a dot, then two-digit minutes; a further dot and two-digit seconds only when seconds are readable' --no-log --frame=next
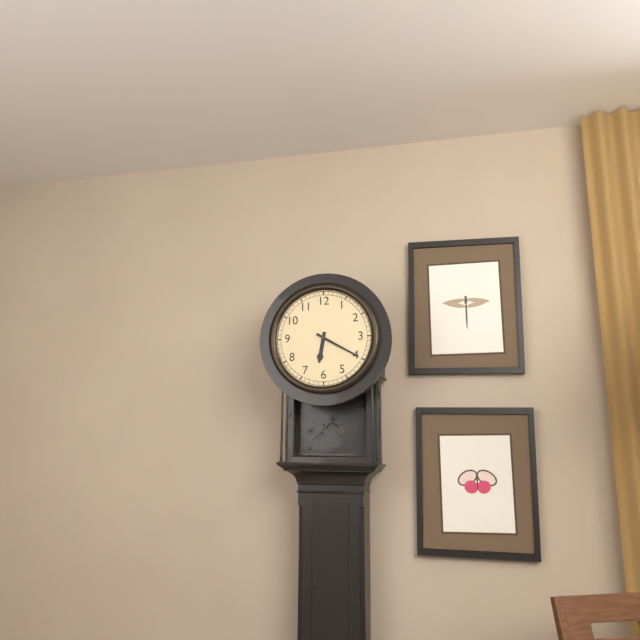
6.20
